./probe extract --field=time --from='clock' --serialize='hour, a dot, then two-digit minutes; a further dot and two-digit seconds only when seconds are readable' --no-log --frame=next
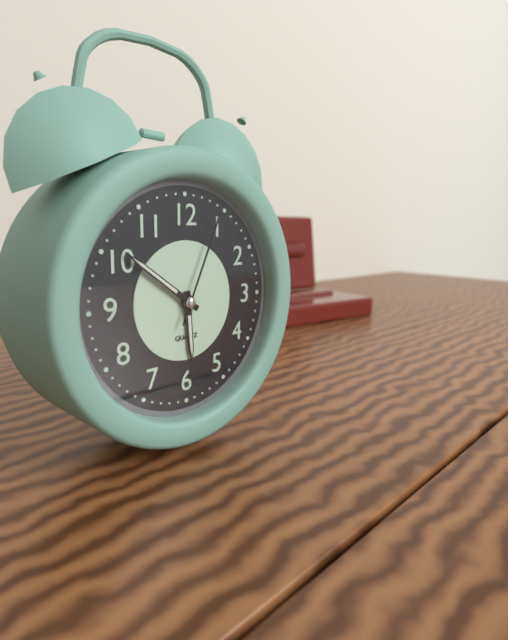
5.51.04
